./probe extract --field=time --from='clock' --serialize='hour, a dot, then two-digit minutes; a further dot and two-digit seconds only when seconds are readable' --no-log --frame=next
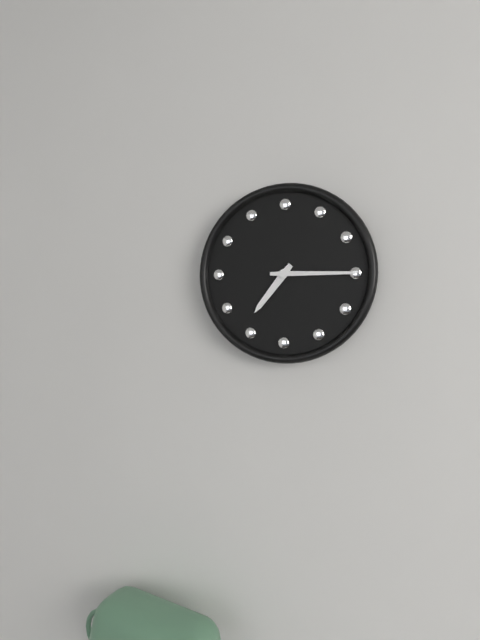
7.15
